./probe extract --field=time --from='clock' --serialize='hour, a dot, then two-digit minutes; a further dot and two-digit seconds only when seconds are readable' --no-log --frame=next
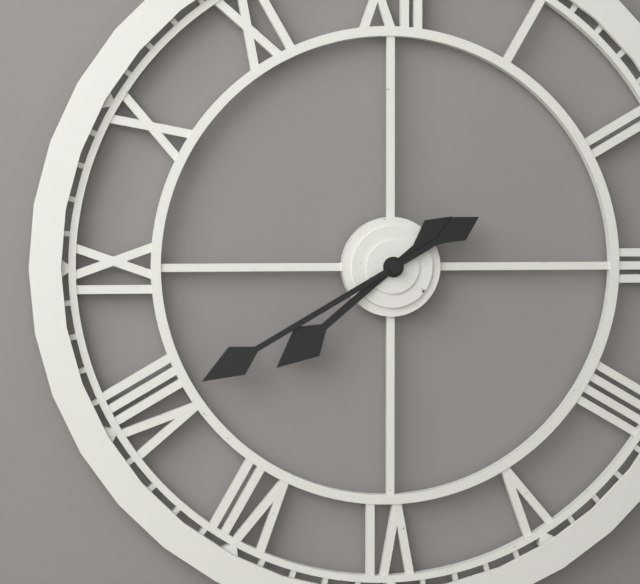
7.40
